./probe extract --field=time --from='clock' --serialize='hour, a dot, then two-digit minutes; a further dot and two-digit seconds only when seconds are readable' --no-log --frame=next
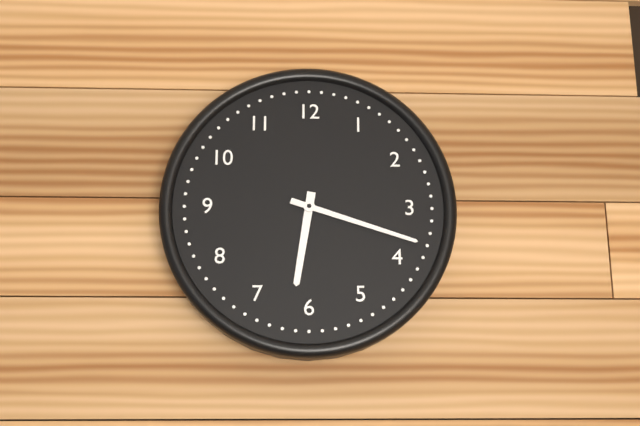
6.18
